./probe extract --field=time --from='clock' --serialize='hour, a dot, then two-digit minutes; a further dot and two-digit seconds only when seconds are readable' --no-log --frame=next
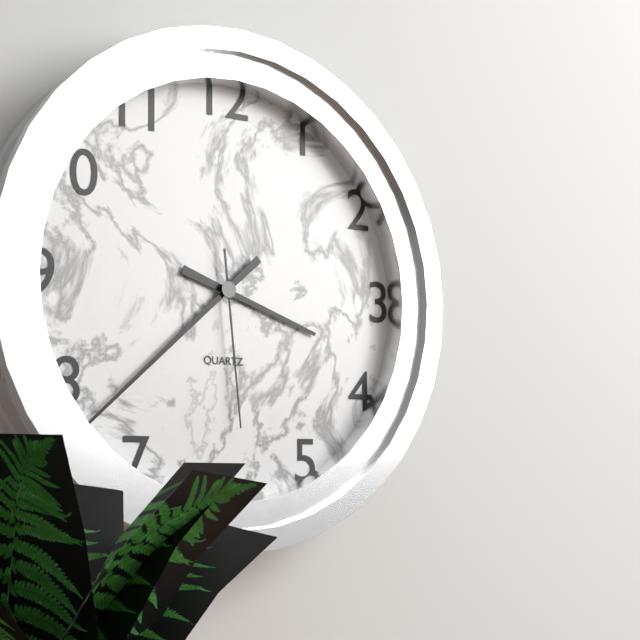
3.38.29
